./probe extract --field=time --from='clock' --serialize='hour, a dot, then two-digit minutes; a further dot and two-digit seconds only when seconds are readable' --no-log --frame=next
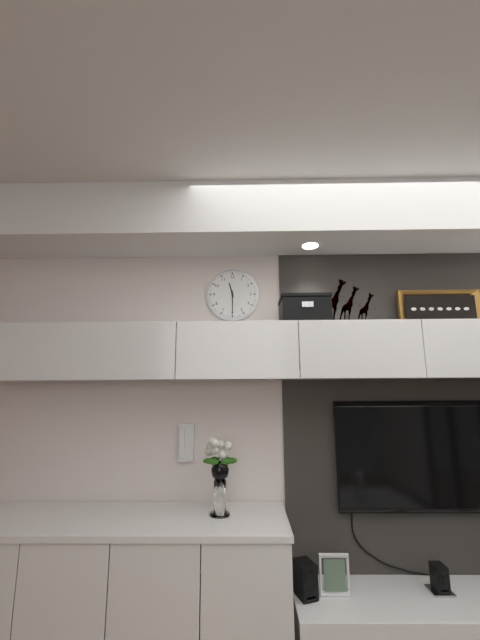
11.30
